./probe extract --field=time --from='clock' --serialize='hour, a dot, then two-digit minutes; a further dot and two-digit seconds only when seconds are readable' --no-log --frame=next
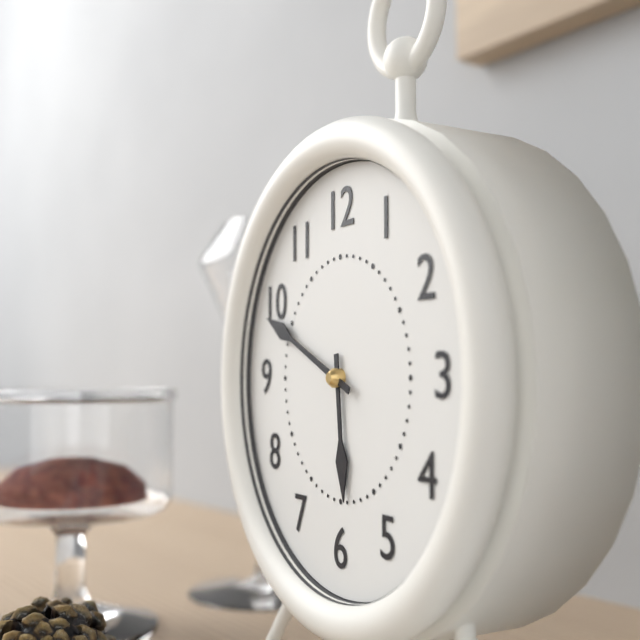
5.49
